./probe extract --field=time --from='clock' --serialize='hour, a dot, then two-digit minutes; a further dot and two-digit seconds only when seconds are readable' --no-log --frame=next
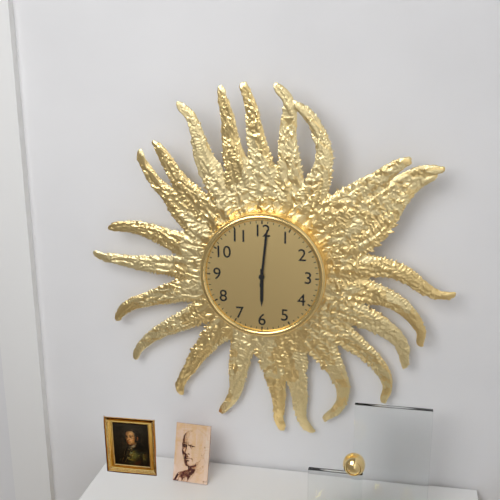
6.01
